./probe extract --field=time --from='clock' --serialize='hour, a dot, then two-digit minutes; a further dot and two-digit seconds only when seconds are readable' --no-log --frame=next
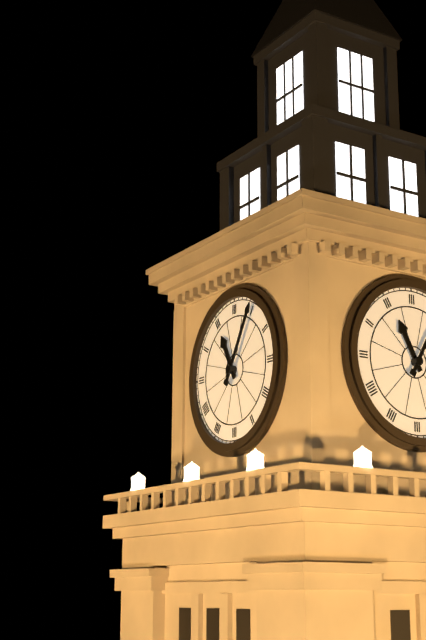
11.05
